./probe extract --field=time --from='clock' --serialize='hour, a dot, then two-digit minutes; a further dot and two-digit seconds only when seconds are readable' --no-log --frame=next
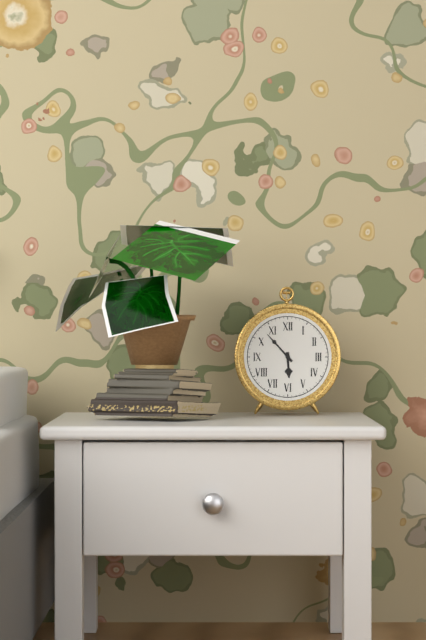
5.53
